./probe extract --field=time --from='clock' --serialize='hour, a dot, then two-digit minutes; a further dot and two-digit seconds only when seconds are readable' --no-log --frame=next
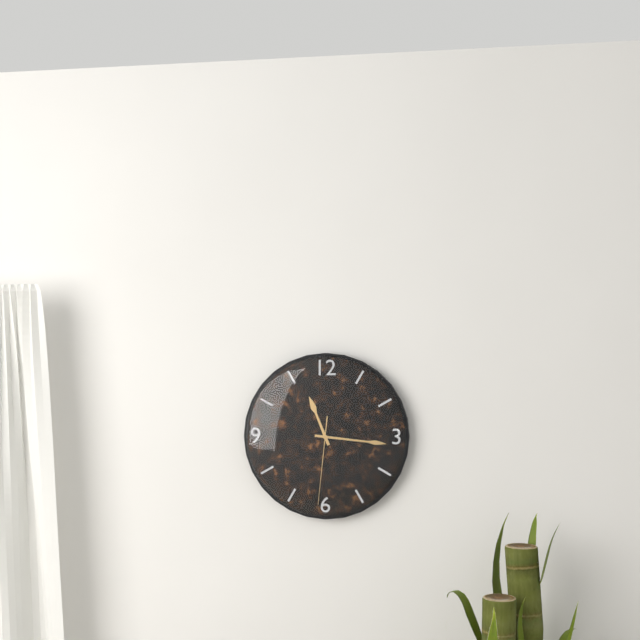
11.16.31
